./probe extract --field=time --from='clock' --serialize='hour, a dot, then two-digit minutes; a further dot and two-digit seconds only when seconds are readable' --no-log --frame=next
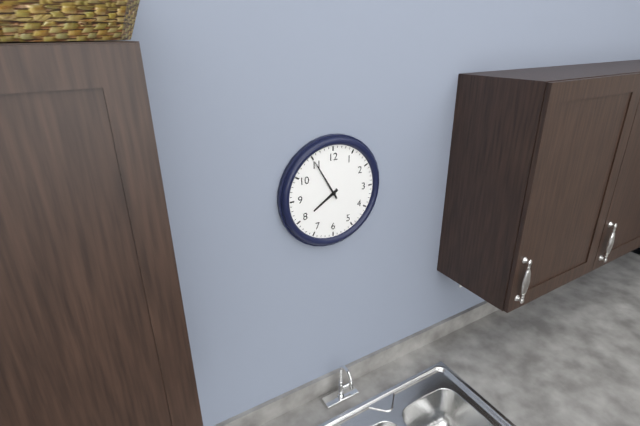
7.55
